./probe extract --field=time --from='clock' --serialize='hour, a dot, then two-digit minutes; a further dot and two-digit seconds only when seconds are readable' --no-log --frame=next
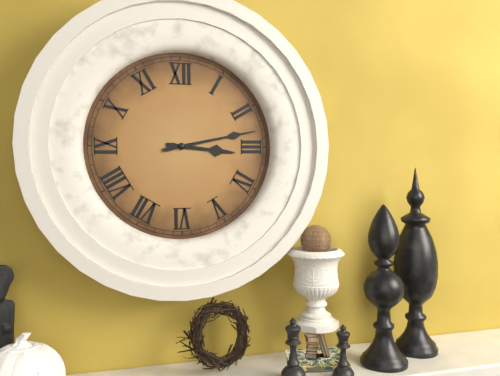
3.13
